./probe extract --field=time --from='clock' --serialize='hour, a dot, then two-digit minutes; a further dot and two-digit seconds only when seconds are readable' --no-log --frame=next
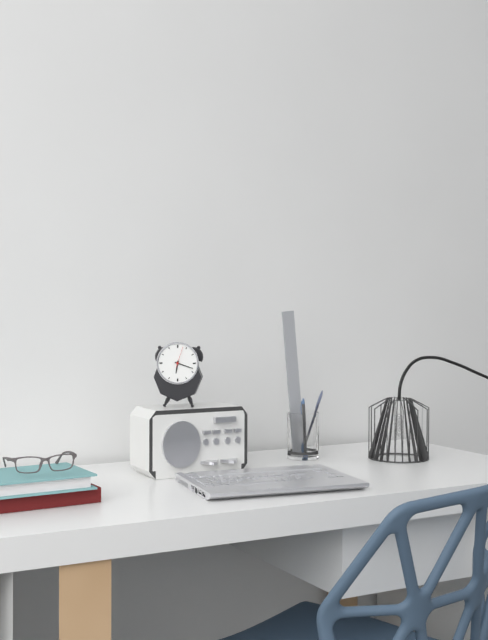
6.18
